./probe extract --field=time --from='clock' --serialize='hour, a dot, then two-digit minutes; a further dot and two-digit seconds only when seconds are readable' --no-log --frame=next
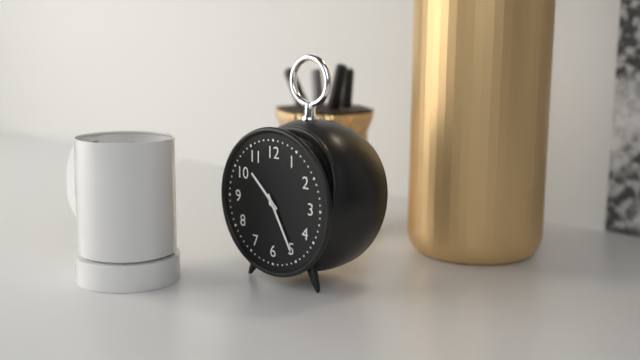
10.25
